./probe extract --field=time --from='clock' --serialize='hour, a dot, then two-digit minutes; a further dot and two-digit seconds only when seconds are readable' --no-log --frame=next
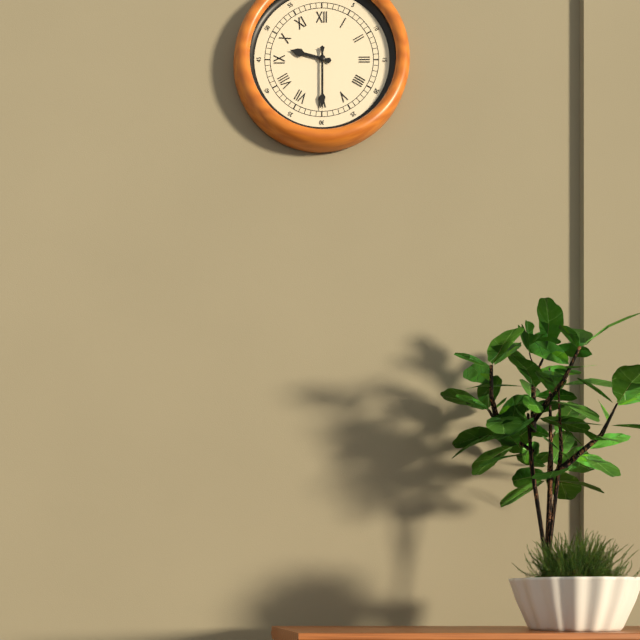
9.30
